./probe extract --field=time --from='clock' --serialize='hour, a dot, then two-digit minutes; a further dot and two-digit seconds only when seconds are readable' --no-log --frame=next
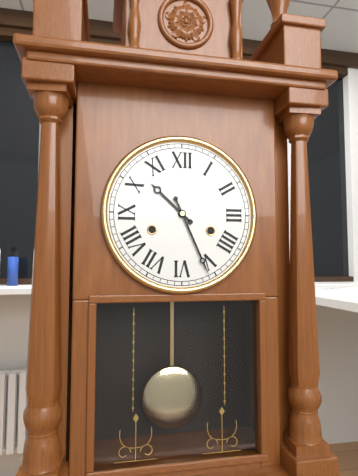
10.26
